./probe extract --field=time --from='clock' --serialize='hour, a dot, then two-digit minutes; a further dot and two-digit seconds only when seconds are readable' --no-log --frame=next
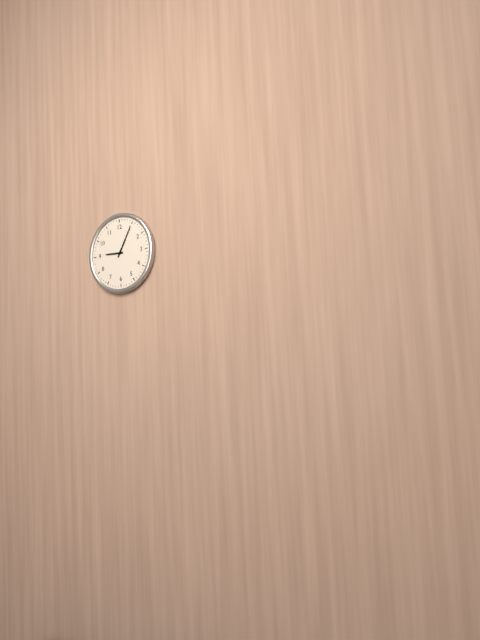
9.05
